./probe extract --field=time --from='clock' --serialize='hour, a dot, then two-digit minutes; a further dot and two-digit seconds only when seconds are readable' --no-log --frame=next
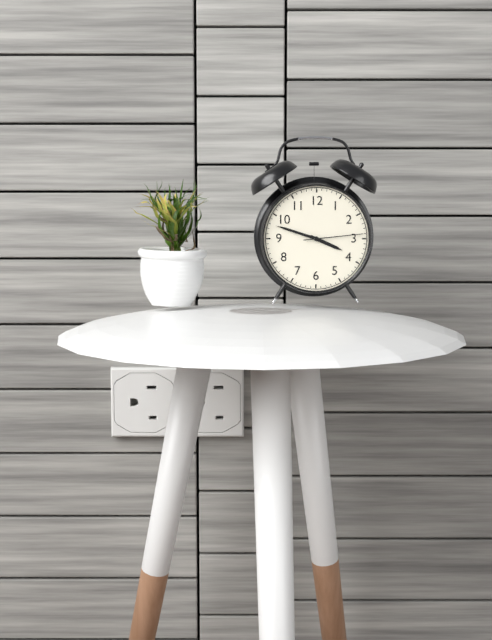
3.48.14
